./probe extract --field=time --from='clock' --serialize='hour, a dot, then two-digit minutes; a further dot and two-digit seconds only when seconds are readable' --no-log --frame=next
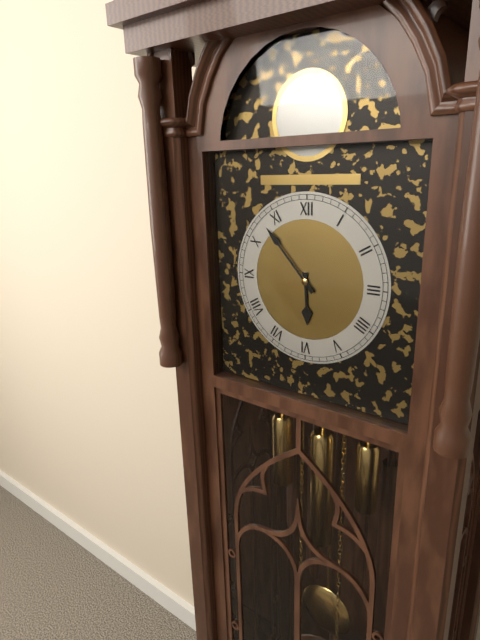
5.53
